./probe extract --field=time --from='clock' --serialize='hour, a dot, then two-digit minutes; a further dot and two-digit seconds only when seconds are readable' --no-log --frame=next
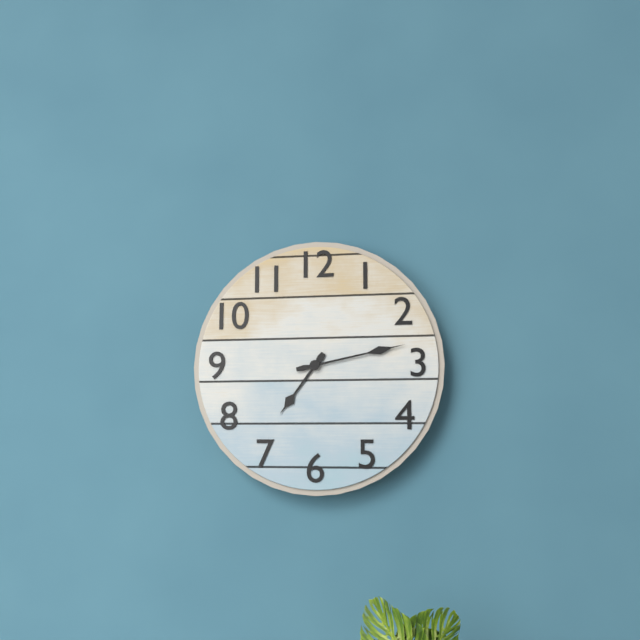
7.13
